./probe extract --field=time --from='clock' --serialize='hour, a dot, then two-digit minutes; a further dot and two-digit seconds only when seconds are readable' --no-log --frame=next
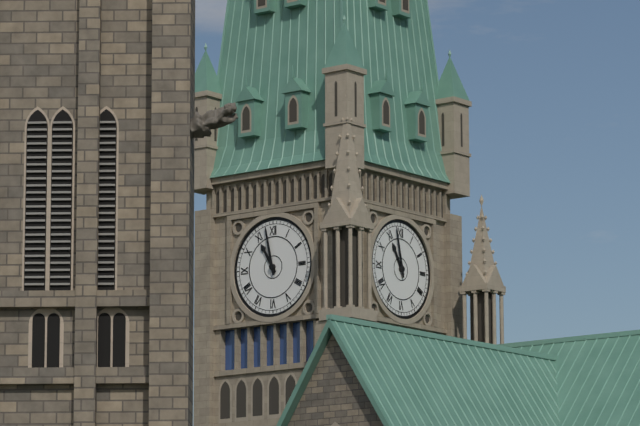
10.58
